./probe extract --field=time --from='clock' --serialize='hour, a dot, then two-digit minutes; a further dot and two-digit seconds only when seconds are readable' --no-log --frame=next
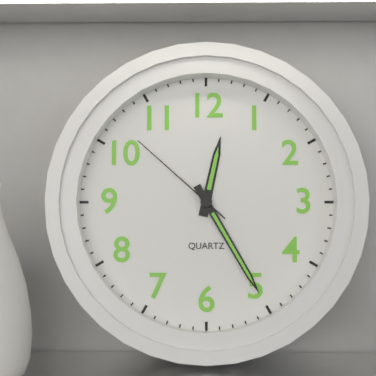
12.25.52
